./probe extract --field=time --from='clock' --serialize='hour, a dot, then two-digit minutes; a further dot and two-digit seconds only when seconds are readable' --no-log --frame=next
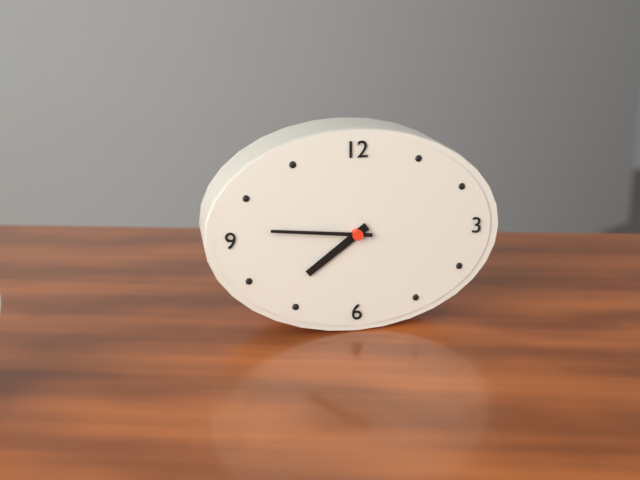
7.46
